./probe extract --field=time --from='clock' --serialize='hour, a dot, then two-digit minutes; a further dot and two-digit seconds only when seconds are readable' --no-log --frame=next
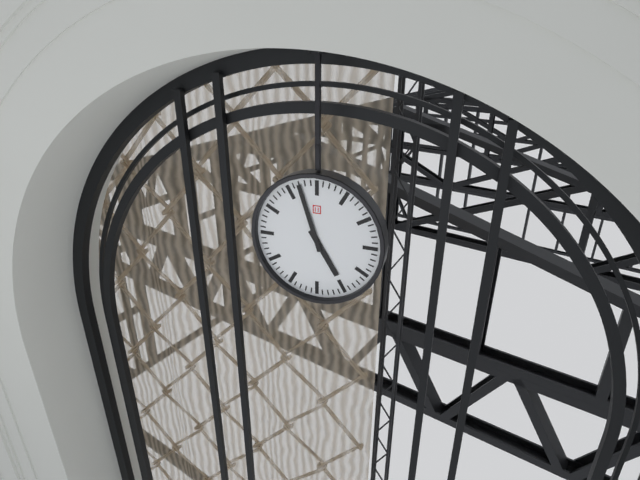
4.57
